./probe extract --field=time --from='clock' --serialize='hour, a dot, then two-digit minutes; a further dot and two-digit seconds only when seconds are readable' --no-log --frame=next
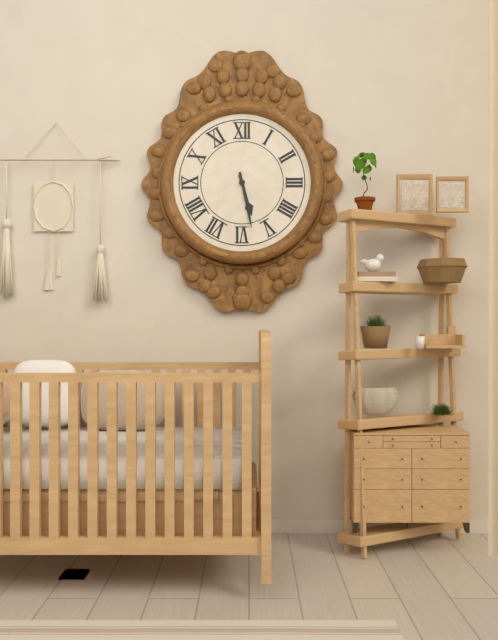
5.28
